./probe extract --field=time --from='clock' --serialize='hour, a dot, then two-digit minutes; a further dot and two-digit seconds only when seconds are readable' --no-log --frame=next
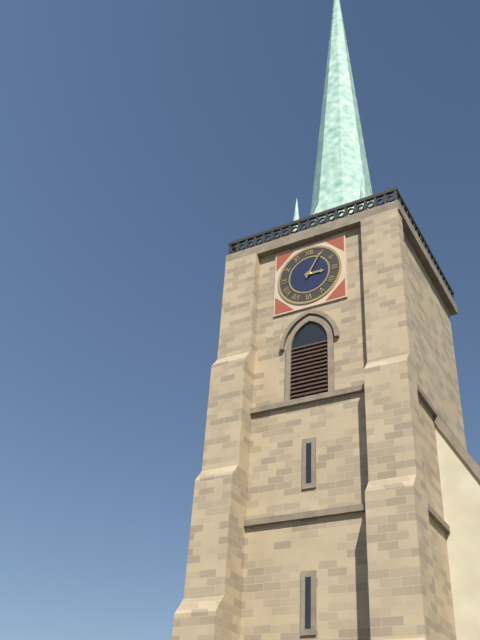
3.05
